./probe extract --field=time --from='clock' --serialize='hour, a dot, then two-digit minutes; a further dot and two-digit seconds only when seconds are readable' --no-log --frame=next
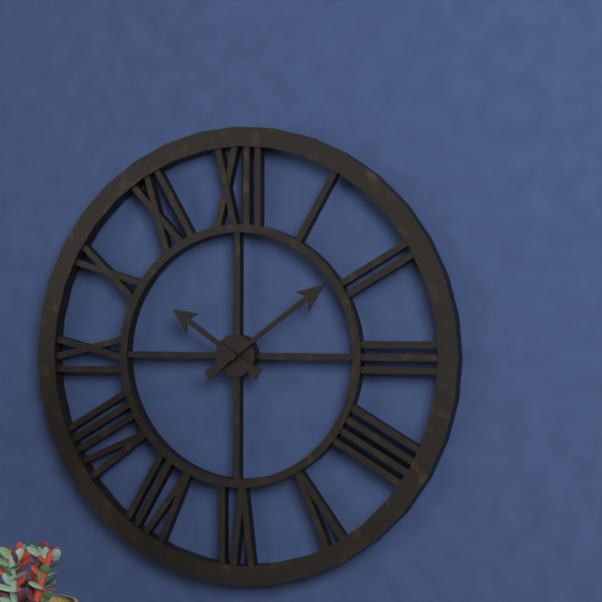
10.09
